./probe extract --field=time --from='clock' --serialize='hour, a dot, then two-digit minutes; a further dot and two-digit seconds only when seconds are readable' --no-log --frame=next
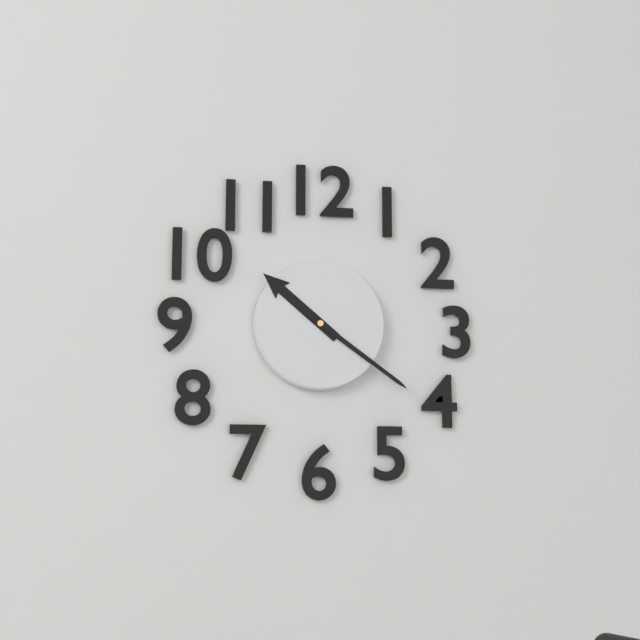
10.21
